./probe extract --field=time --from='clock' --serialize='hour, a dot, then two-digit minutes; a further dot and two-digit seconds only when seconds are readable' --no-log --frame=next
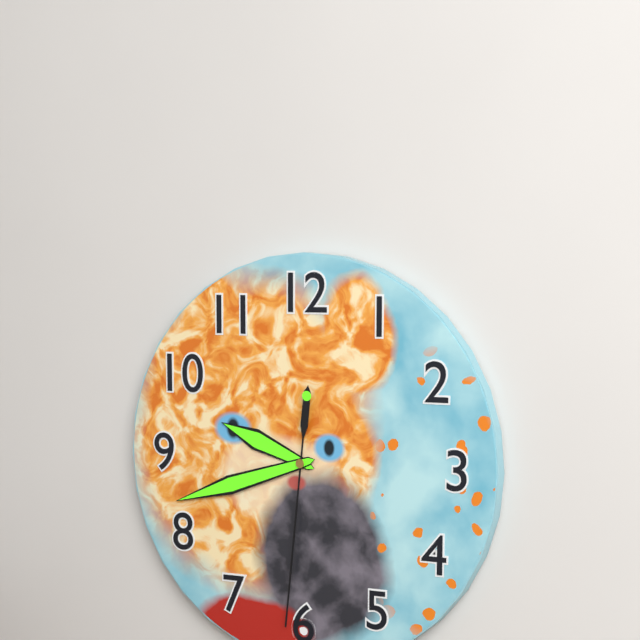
9.42.31
